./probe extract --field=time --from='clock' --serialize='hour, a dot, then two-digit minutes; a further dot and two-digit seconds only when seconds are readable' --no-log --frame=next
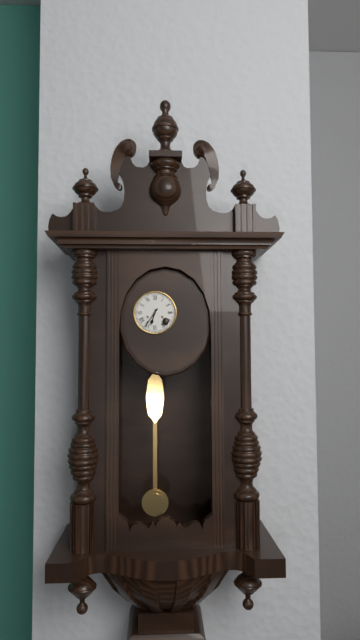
6.36
